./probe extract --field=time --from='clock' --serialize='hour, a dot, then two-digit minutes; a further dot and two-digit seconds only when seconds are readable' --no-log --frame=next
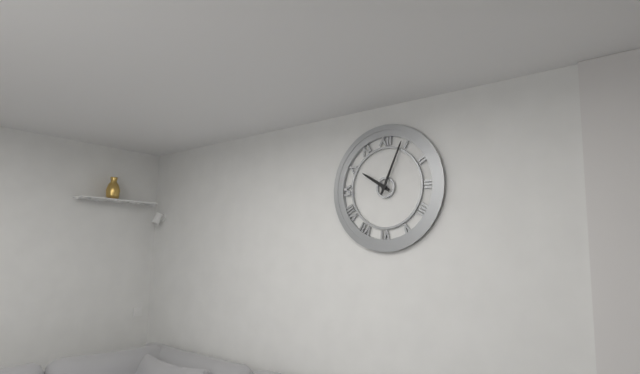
10.04
